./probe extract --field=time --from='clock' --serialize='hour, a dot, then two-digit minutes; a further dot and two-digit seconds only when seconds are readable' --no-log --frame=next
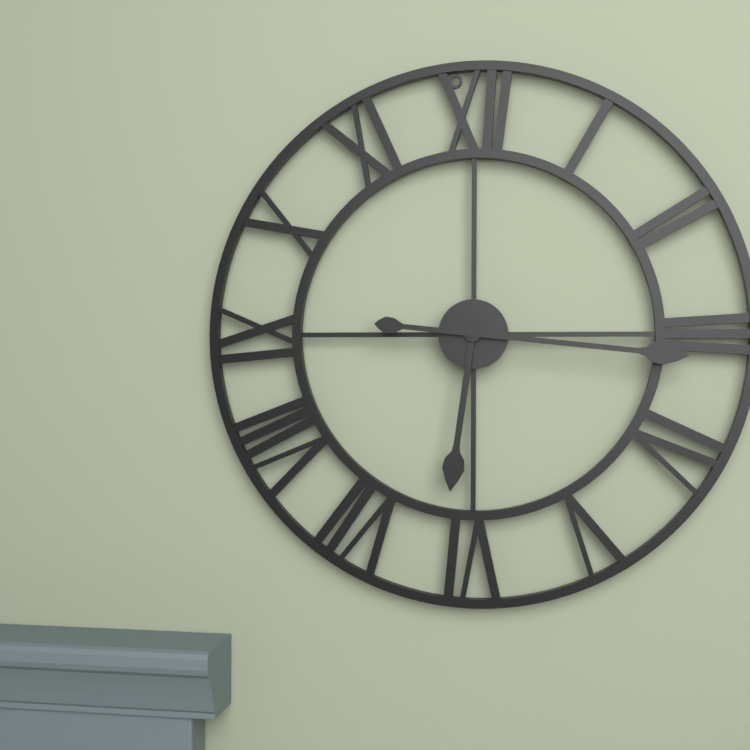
6.16
